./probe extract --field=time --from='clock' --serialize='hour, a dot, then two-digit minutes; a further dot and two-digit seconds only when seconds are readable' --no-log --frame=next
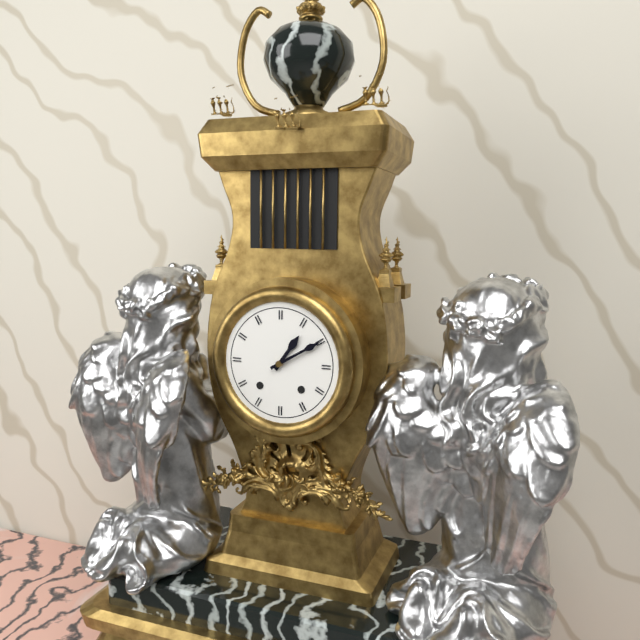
1.10
